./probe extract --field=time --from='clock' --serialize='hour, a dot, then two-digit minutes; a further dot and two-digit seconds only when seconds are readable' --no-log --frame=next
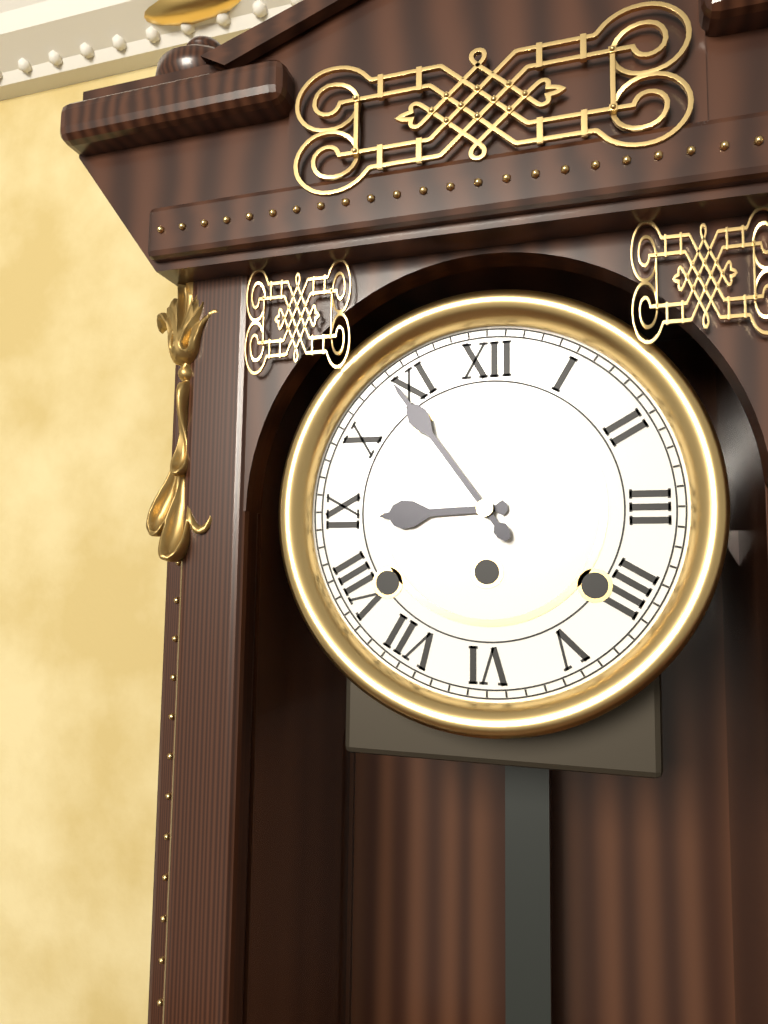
8.54
